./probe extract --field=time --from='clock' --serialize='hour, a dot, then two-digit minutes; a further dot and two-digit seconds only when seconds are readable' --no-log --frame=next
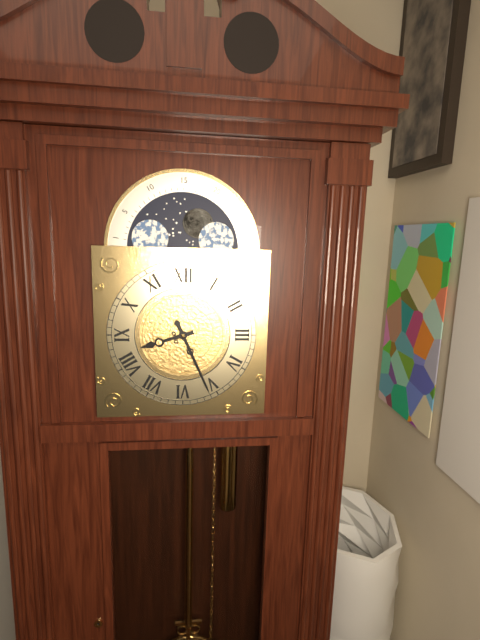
8.26
